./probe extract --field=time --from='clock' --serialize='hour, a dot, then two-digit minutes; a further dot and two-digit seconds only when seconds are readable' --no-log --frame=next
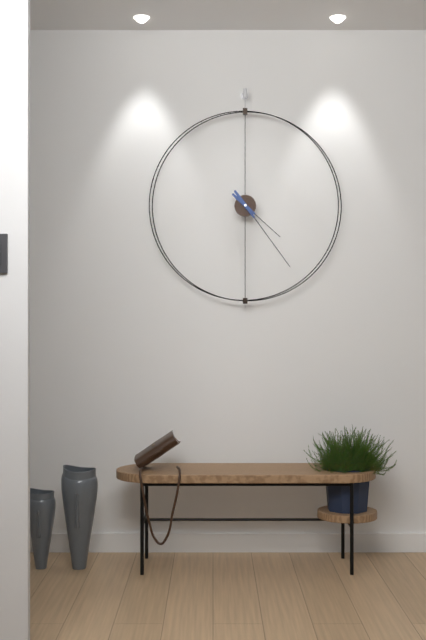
4.24
